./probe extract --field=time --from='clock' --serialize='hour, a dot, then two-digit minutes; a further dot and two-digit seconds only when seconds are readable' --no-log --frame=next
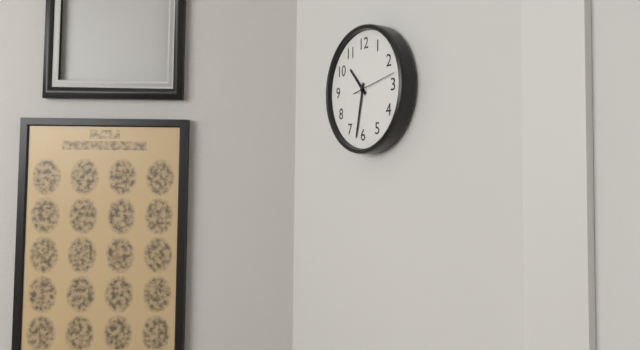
10.32
